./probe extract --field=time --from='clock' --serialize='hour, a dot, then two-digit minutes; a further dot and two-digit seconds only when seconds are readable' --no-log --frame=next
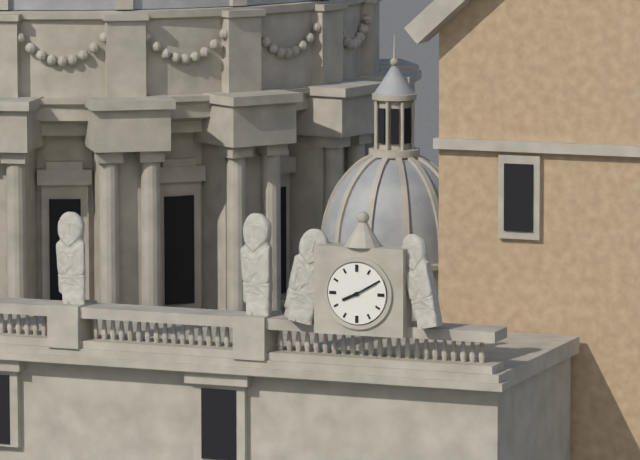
8.10
